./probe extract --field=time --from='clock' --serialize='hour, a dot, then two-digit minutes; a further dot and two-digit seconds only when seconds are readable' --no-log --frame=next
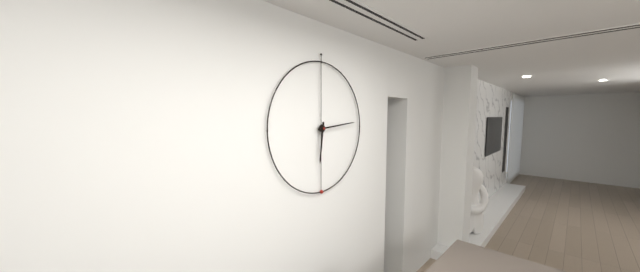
6.14
